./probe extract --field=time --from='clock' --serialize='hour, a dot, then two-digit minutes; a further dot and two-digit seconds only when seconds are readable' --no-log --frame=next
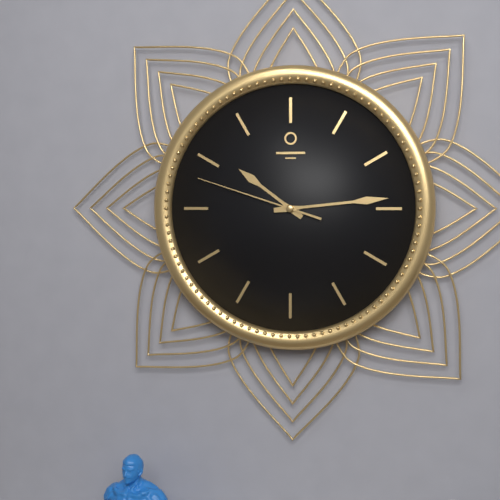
10.14.48
